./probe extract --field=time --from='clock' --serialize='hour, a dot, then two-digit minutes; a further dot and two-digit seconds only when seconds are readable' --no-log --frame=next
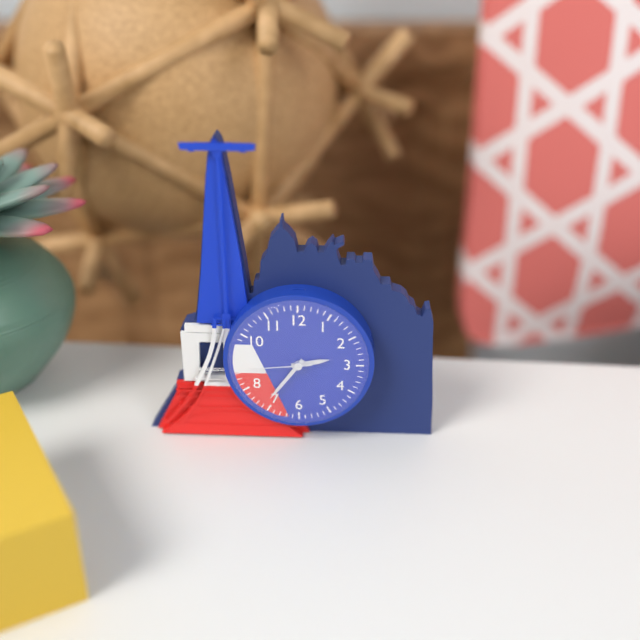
2.36.44
